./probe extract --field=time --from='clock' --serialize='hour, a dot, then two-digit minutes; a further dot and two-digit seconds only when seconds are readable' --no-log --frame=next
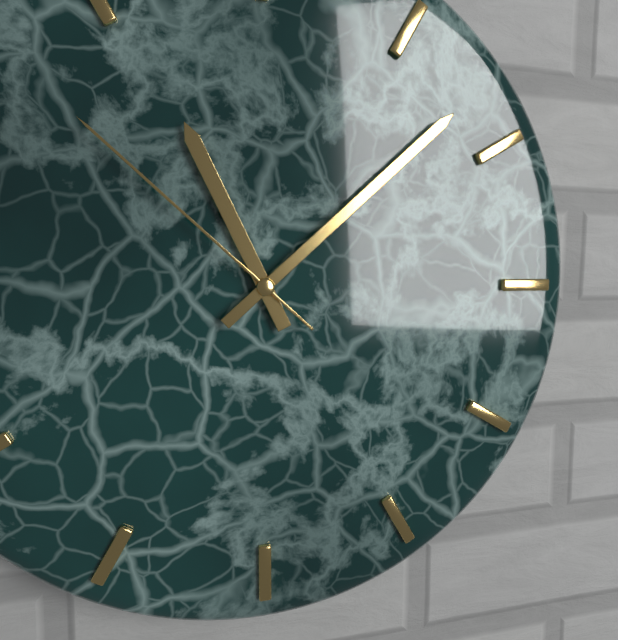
11.08.52
